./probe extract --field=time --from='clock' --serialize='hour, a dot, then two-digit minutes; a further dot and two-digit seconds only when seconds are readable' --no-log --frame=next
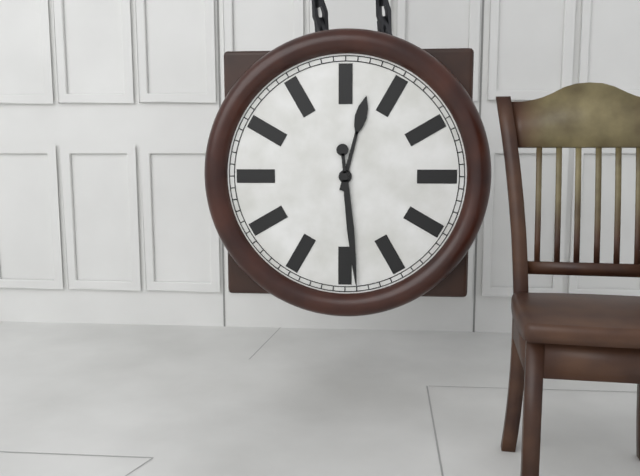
12.29
